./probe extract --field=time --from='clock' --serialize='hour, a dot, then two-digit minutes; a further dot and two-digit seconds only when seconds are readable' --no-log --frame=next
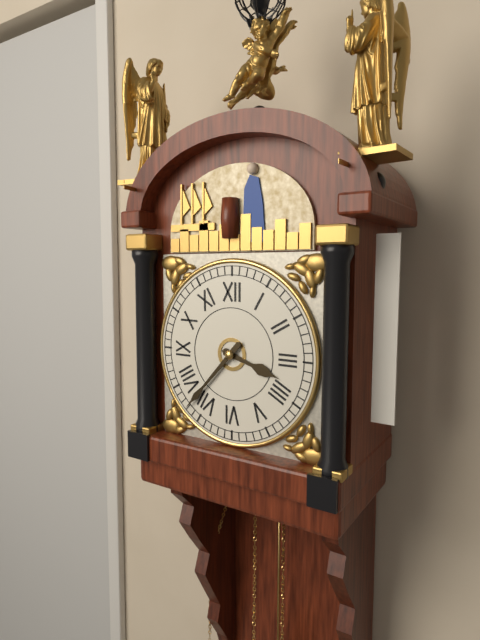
3.37
